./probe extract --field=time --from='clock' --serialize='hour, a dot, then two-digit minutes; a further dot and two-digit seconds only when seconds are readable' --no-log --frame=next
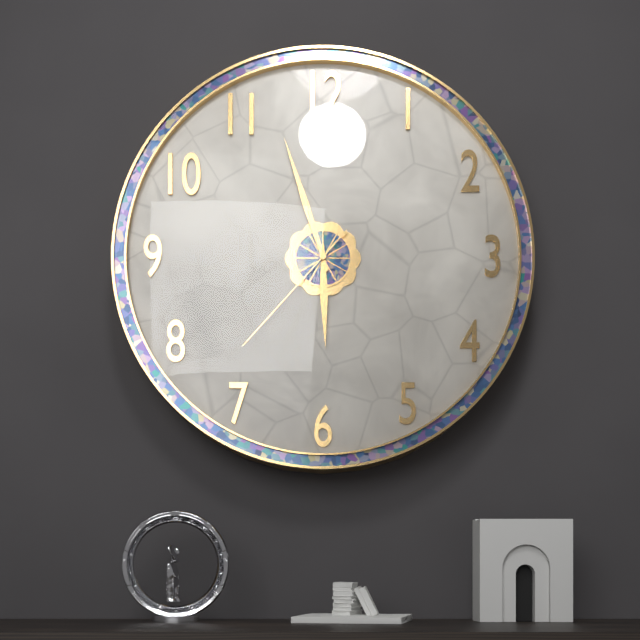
5.57.37
